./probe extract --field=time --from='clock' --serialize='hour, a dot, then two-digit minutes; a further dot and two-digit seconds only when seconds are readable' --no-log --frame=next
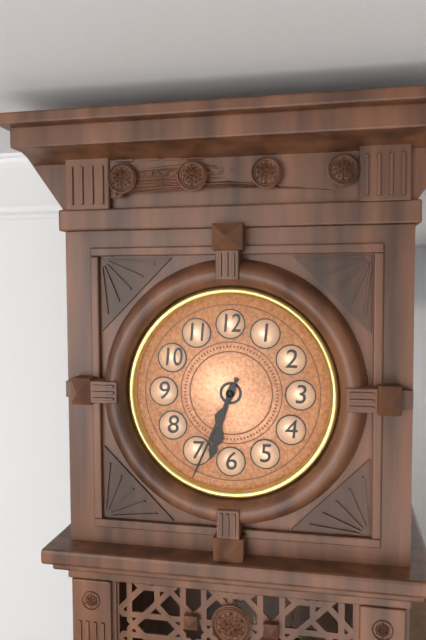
6.34
